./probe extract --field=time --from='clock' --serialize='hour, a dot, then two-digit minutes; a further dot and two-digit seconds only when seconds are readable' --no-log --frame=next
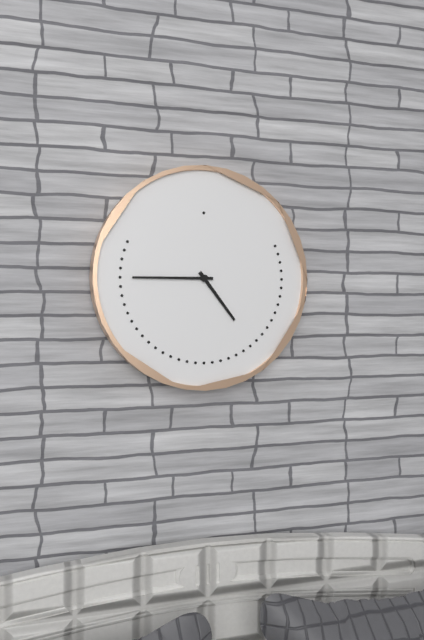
4.45
